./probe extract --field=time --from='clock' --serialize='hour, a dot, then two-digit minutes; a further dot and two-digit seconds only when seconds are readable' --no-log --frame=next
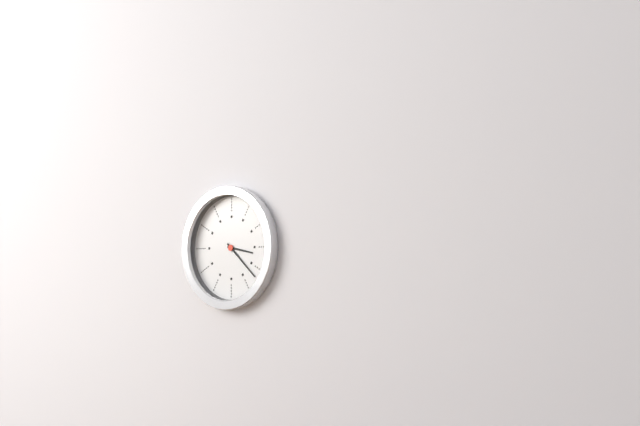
3.22
